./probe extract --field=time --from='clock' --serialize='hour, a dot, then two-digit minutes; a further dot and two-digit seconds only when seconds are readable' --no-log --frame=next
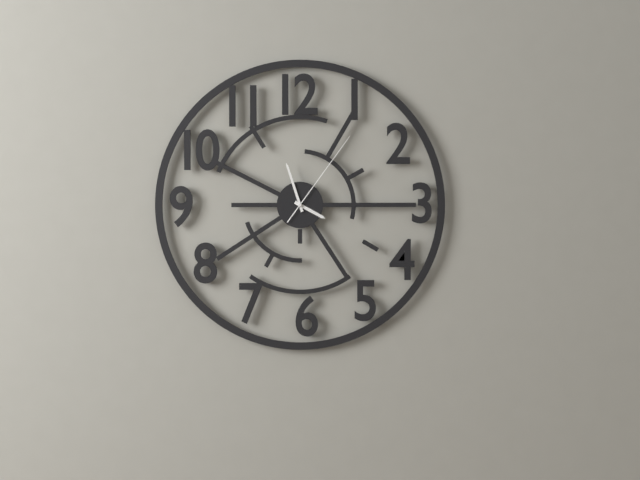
3.57.06
